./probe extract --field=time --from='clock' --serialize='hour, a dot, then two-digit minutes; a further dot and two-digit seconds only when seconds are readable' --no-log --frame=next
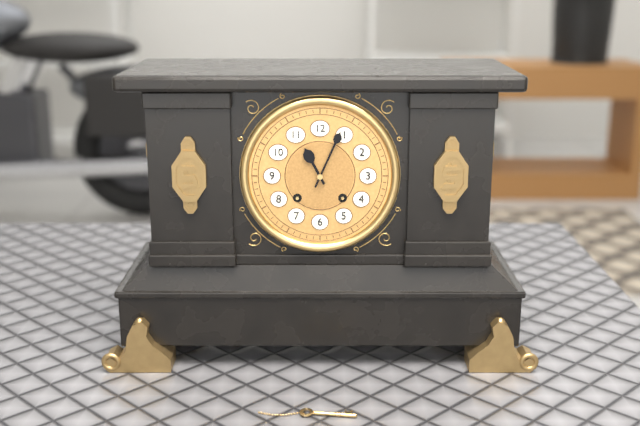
11.04
